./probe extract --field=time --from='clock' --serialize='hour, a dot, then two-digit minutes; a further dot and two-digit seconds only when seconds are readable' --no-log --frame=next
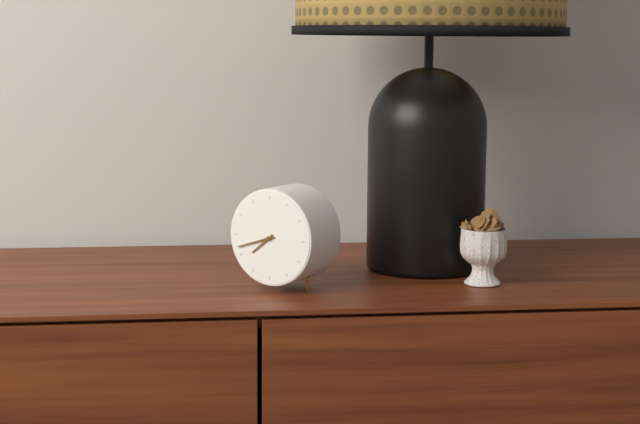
7.42
